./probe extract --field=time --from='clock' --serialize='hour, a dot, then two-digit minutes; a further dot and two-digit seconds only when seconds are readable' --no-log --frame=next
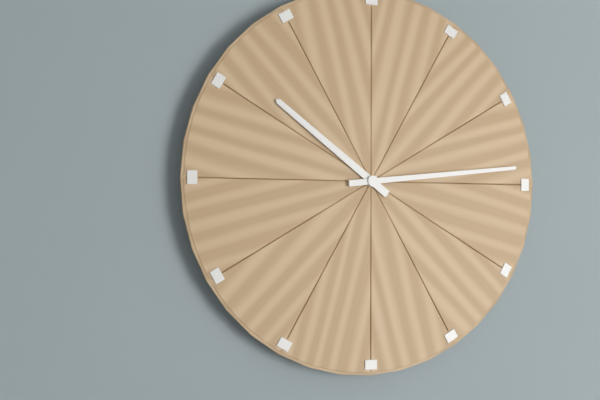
10.14
